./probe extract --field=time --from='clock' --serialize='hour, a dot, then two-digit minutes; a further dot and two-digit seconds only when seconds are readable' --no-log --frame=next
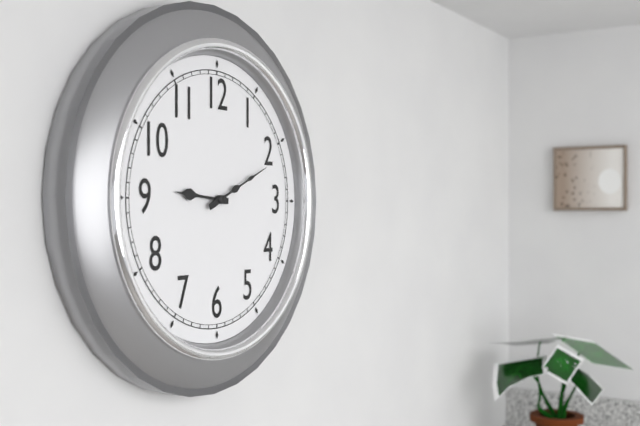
9.11
